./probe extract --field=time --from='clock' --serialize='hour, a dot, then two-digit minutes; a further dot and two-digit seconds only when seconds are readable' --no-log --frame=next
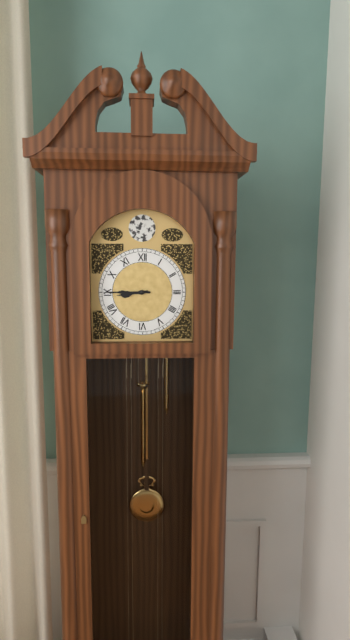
8.45
